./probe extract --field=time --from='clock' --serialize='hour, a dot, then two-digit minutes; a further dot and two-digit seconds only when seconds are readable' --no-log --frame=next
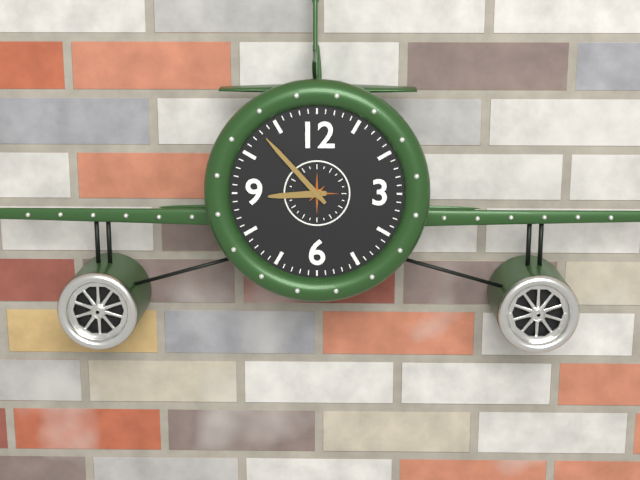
8.53
